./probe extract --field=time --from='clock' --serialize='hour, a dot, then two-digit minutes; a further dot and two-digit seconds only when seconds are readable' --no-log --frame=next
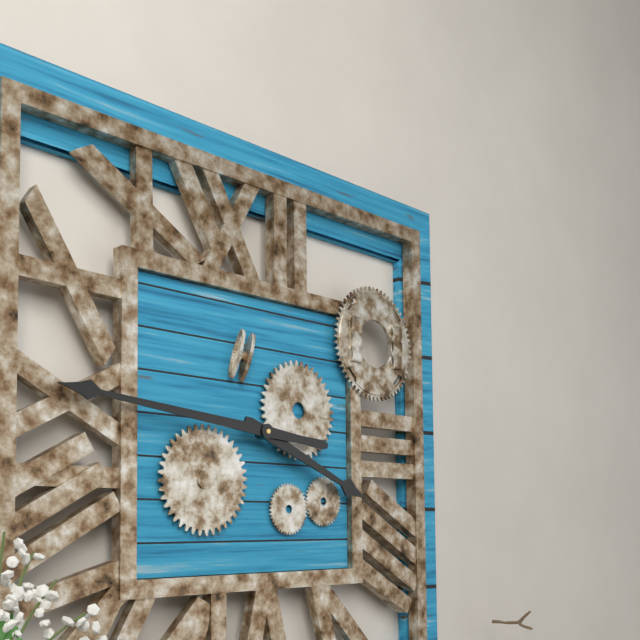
3.46
